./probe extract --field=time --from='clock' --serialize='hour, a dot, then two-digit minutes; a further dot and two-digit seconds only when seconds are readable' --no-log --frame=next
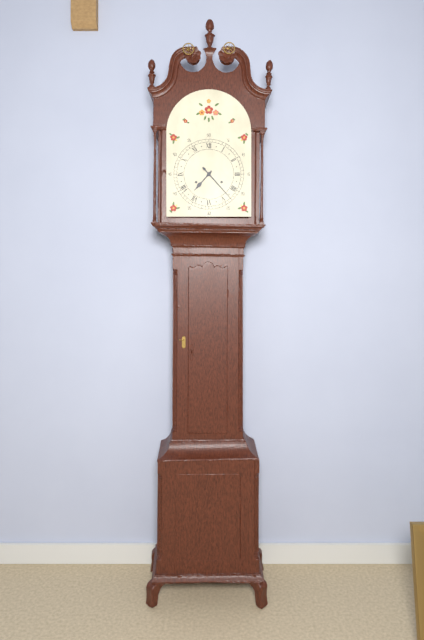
7.23
